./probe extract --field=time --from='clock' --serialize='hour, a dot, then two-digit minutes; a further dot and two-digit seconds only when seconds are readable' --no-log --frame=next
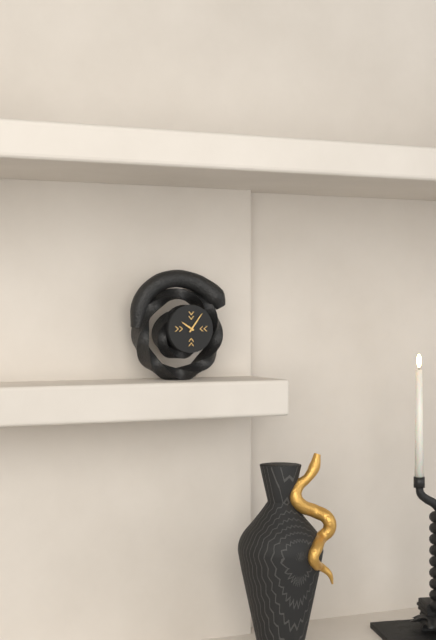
10.06
